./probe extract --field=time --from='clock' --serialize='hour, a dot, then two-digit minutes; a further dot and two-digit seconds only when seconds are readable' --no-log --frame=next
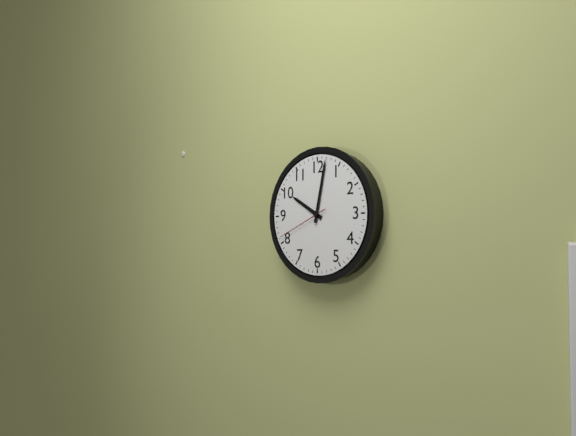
10.02.41
